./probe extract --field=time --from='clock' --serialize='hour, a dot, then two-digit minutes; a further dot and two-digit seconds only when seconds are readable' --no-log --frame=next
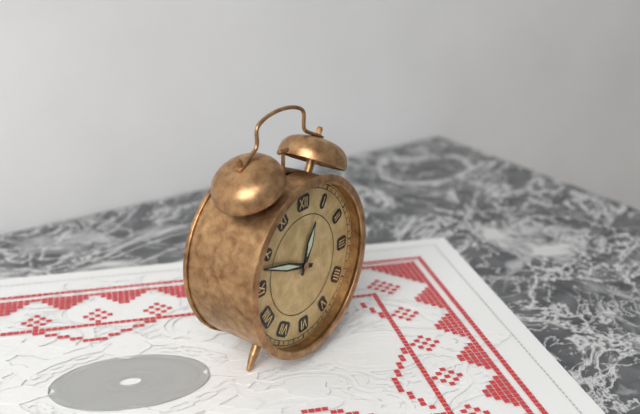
12.48
